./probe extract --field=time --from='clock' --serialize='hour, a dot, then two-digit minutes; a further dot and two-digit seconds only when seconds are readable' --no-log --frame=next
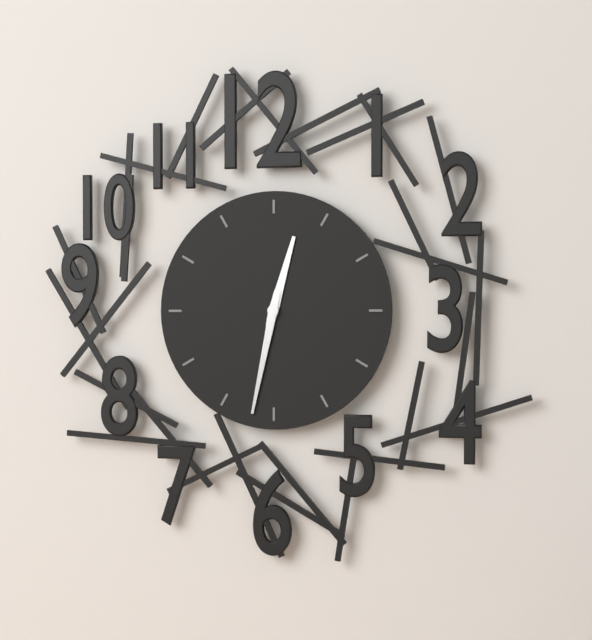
12.32
